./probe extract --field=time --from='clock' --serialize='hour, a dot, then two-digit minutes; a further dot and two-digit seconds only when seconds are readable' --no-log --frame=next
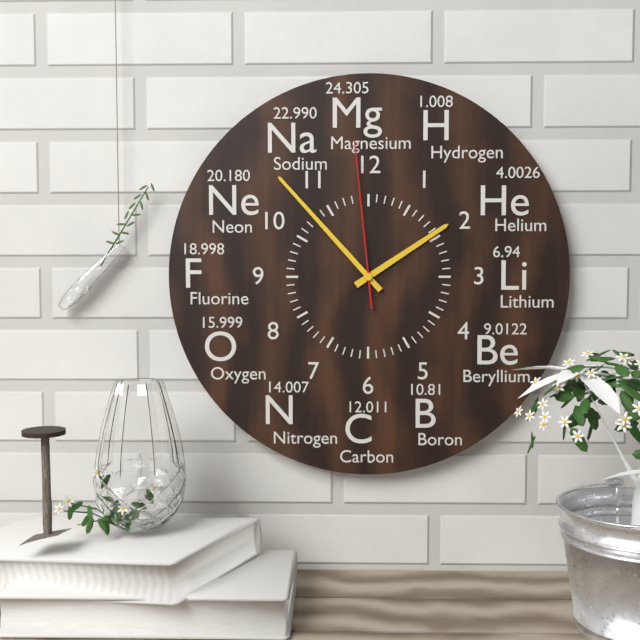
1.53.59
